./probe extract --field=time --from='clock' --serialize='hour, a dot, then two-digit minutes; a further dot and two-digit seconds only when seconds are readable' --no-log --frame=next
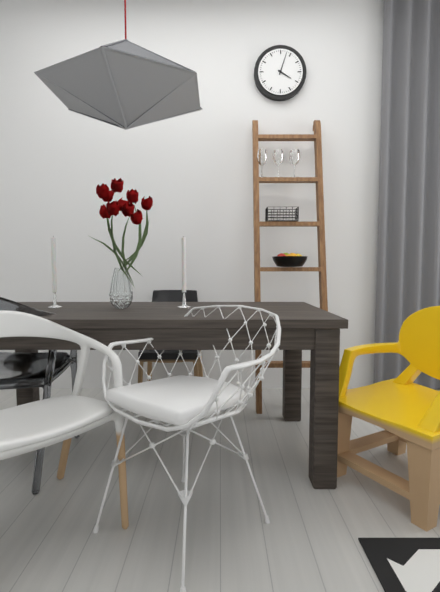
4.03
